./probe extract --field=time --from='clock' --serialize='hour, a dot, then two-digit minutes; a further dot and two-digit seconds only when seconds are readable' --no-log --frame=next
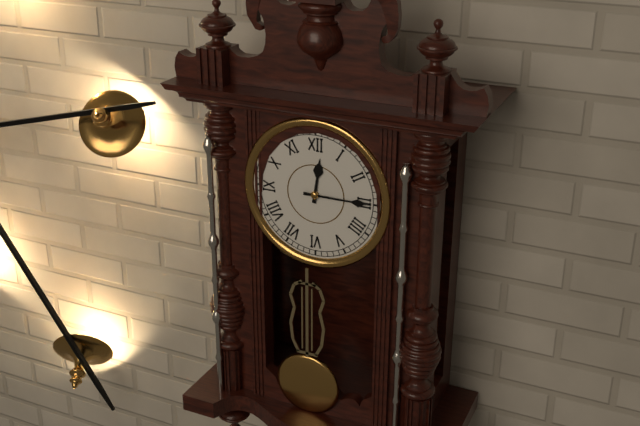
12.15
